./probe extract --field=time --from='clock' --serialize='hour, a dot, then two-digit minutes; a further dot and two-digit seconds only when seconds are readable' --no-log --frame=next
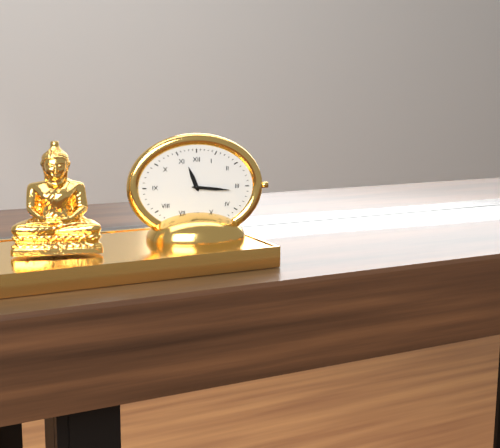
11.16
